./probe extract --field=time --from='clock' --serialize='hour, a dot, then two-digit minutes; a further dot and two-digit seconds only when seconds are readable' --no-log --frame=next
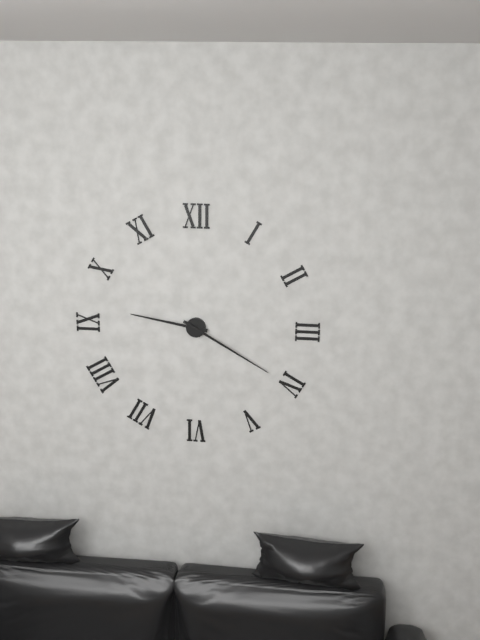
9.20
